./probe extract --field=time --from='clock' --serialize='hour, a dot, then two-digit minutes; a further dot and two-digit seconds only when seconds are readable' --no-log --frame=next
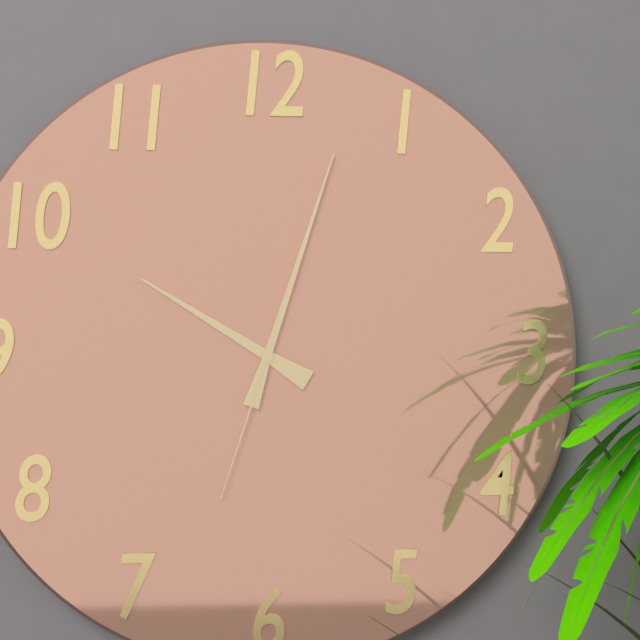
10.03.33
